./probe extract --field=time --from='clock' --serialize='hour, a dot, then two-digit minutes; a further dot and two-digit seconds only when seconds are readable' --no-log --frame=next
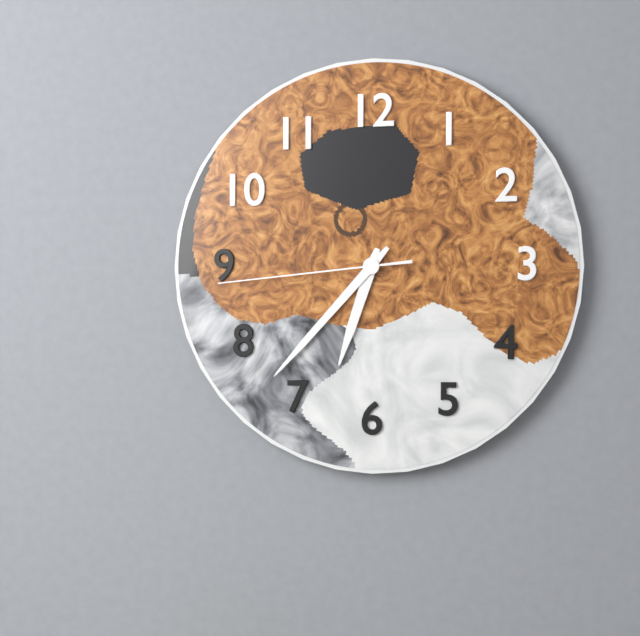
6.37.44
